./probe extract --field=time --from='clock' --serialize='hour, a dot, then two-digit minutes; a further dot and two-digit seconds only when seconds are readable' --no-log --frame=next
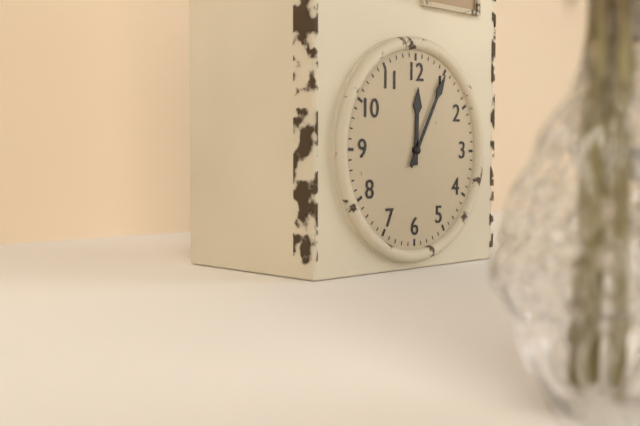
12.05
